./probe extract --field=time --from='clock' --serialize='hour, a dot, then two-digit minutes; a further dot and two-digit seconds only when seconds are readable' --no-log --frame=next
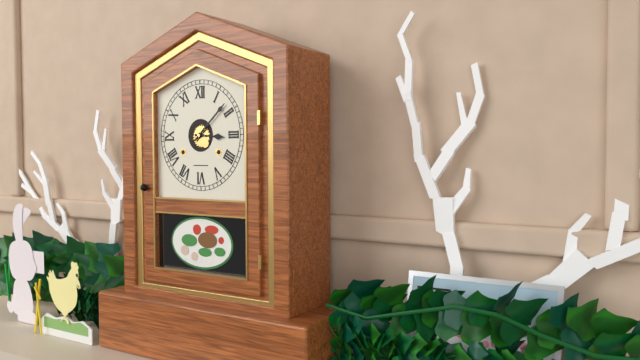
3.08
